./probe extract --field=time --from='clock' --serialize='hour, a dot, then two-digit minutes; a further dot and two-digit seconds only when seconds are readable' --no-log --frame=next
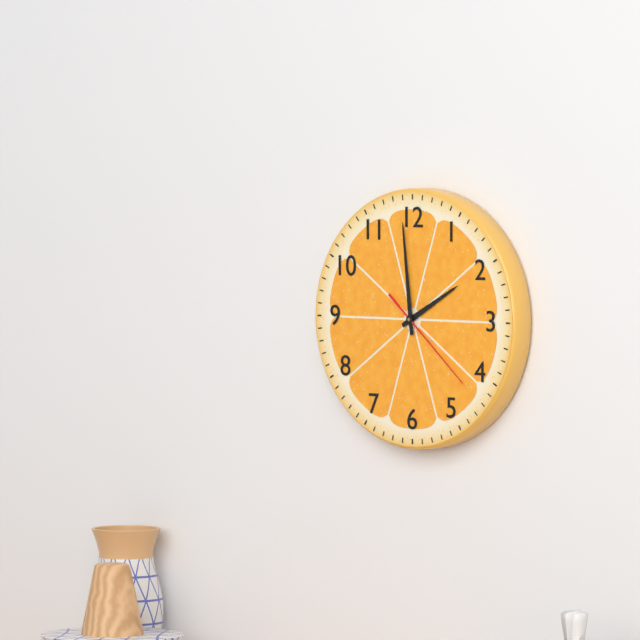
1.59.22
